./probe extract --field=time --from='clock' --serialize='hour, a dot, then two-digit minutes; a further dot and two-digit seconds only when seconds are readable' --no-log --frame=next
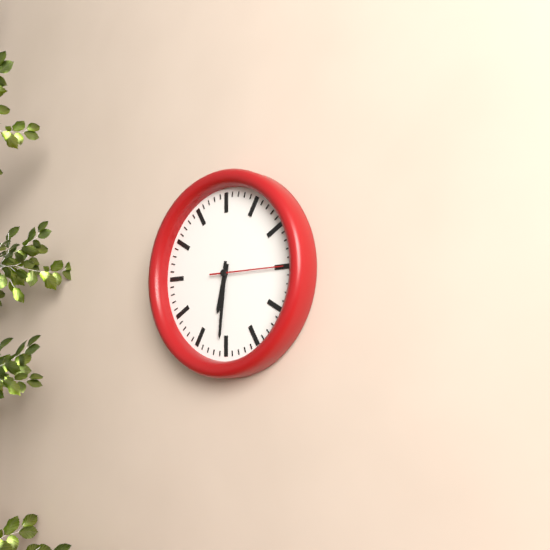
6.31.15
